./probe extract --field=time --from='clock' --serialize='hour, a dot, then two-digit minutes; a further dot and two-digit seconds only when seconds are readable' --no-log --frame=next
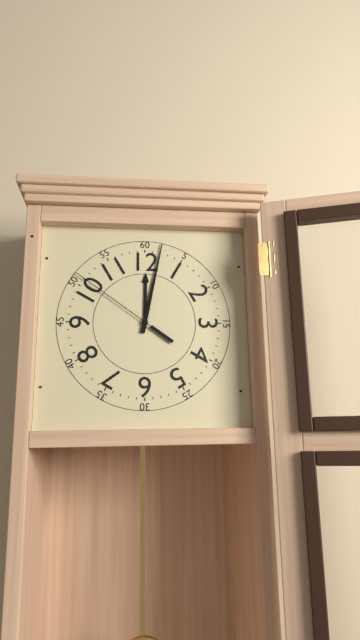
12.02.51
